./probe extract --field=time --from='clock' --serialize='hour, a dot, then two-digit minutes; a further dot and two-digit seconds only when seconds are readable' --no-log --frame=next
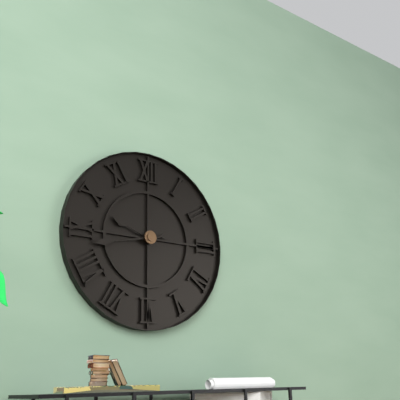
9.43
